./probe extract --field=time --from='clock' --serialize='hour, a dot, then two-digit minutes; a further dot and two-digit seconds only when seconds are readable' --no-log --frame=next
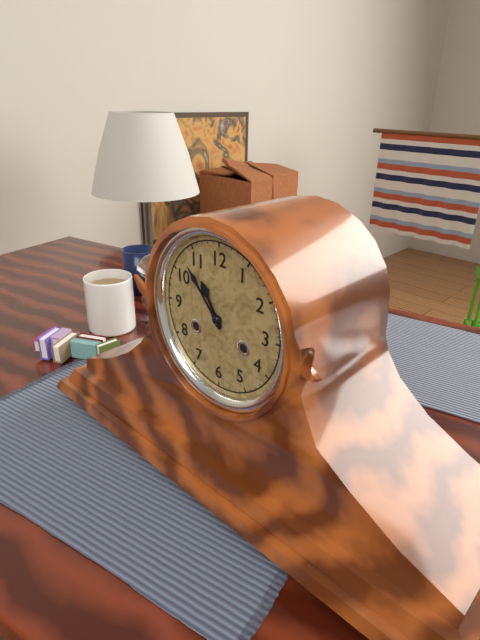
10.53
